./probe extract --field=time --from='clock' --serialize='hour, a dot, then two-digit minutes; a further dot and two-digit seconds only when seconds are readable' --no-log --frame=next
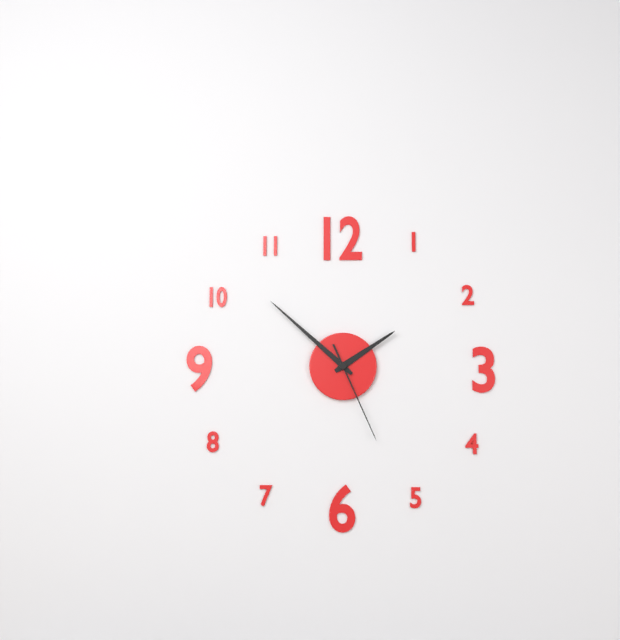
1.52.26
